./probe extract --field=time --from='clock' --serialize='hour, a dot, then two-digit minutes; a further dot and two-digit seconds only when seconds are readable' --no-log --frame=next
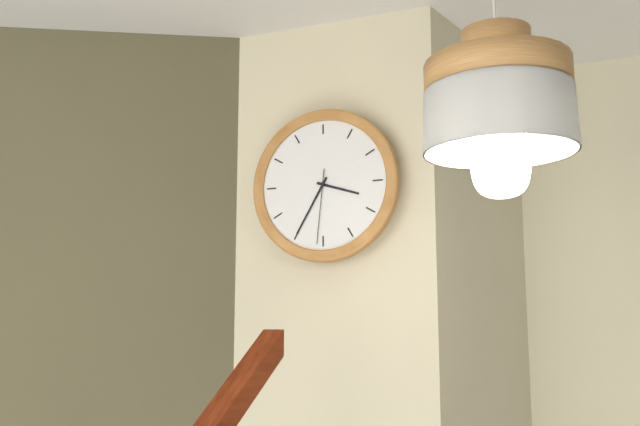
3.35.31
